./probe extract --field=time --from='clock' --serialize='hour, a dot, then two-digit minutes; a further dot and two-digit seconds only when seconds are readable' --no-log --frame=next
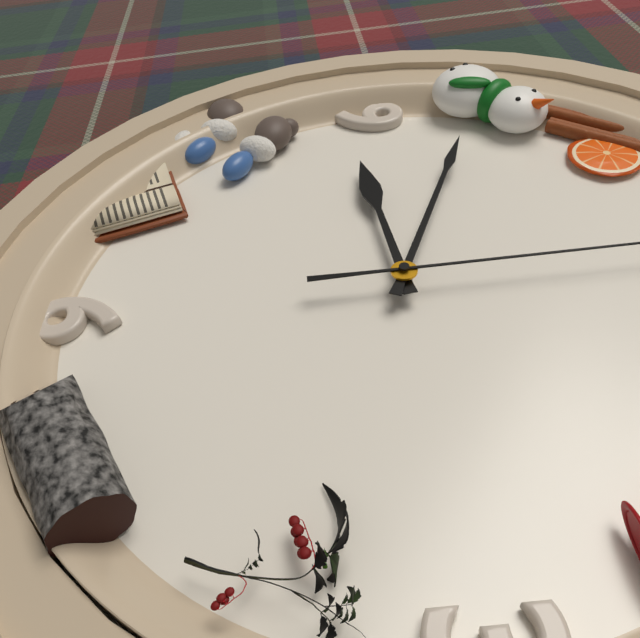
8.49
